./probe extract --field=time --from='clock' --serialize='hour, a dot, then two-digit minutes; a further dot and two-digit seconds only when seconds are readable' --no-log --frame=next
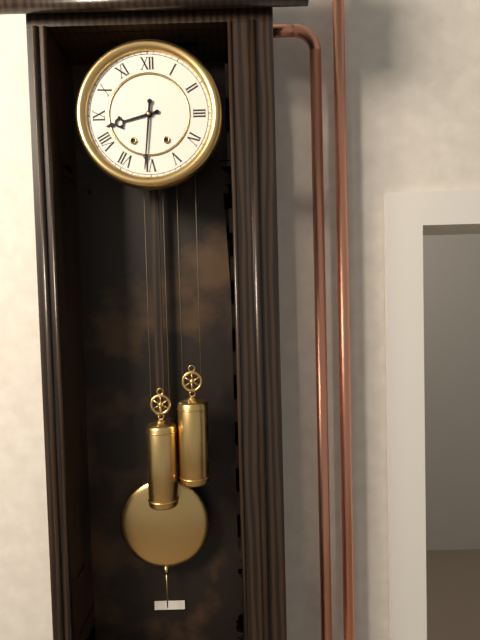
8.31
